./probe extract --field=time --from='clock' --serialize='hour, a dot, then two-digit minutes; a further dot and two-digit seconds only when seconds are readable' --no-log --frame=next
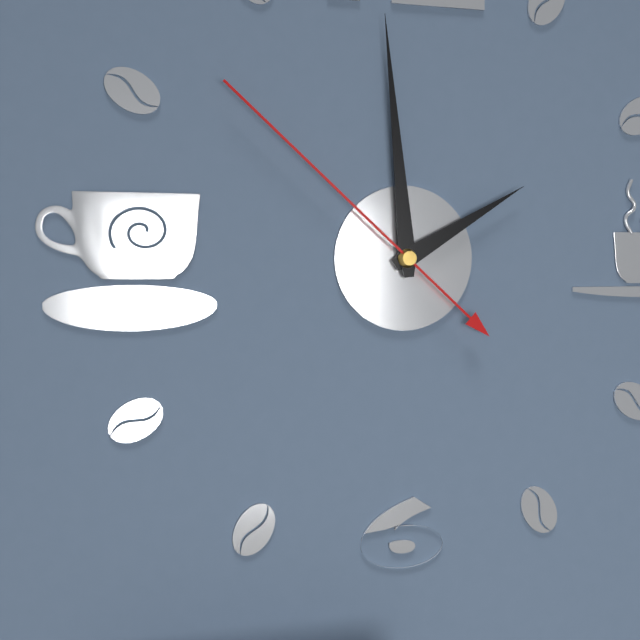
1.59.52
